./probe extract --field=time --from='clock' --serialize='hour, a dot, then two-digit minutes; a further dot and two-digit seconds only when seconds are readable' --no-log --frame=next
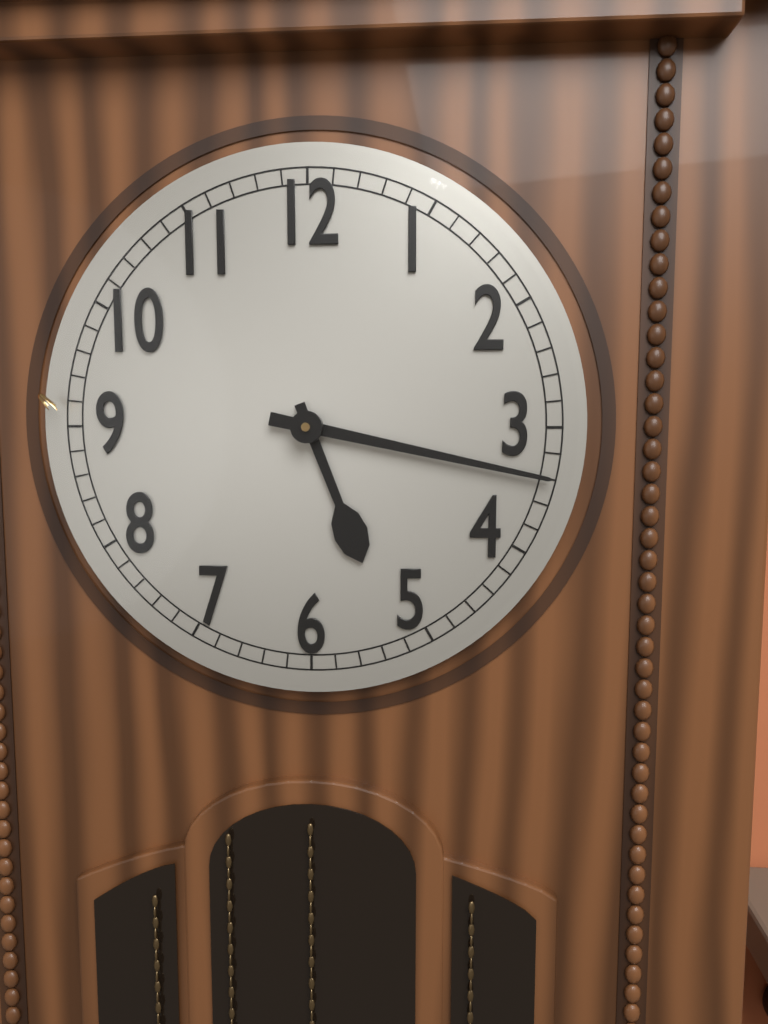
5.17
